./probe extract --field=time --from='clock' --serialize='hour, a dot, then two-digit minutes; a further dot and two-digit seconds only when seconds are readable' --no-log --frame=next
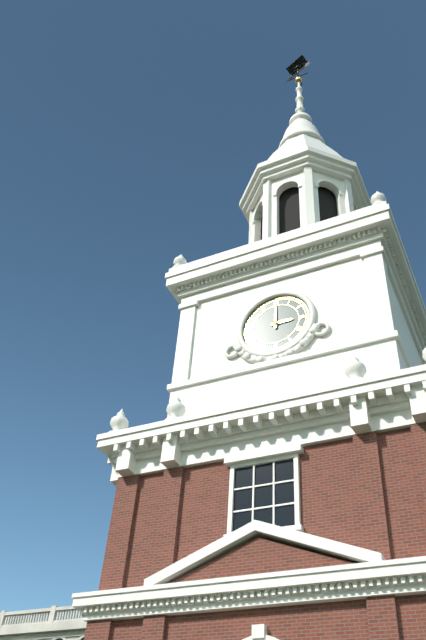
3.00
